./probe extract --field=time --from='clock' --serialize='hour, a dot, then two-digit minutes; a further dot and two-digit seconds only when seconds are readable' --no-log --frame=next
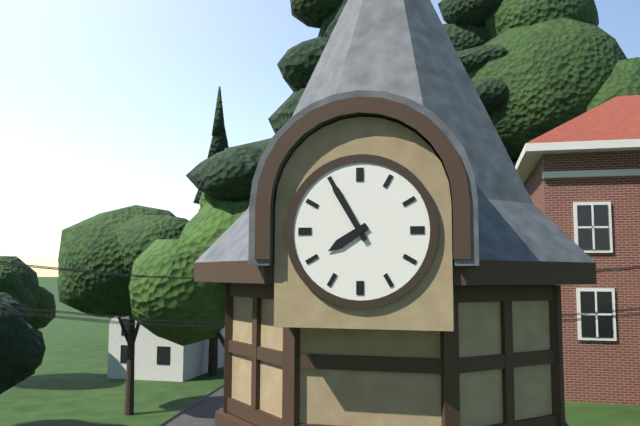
7.55
